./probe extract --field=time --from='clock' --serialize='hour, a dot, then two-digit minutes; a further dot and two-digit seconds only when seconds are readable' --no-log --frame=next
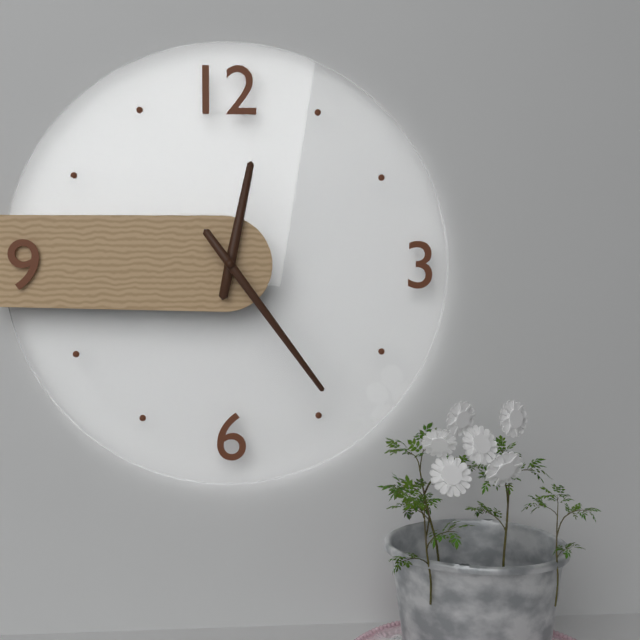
12.24
